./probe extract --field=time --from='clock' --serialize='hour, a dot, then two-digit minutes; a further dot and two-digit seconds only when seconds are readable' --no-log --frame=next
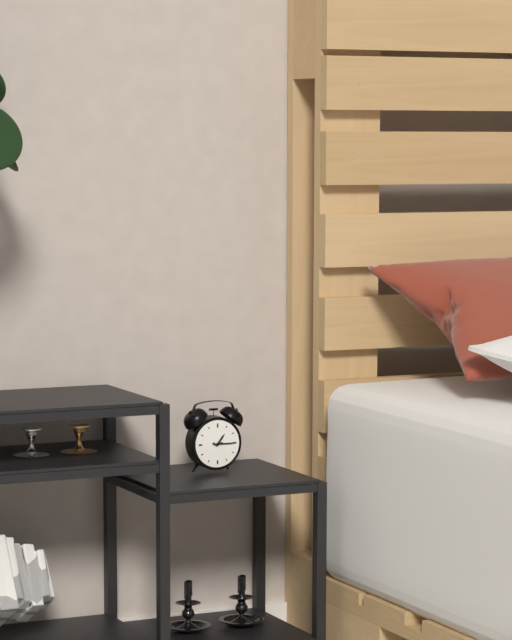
1.15
